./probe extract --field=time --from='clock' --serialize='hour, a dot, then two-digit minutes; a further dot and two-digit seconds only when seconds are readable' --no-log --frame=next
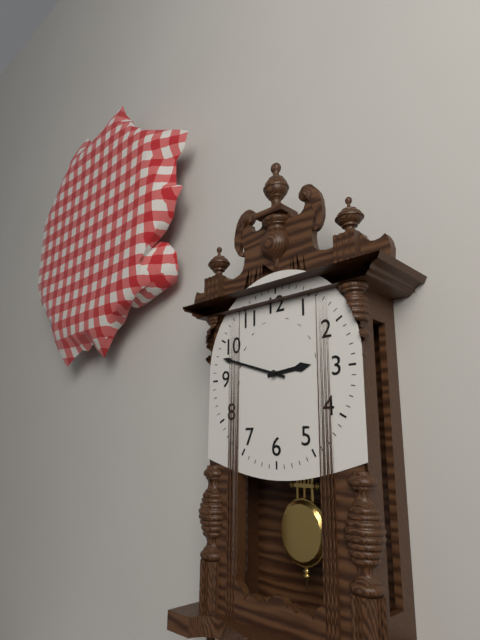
2.48
